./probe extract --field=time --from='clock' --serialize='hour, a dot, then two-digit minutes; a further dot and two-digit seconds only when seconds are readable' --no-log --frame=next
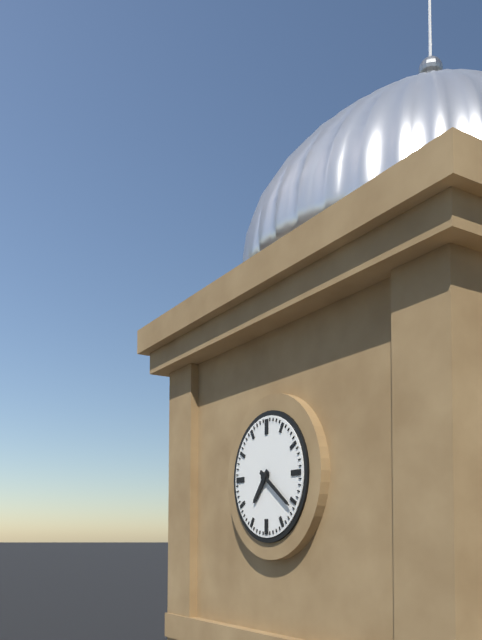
7.21
